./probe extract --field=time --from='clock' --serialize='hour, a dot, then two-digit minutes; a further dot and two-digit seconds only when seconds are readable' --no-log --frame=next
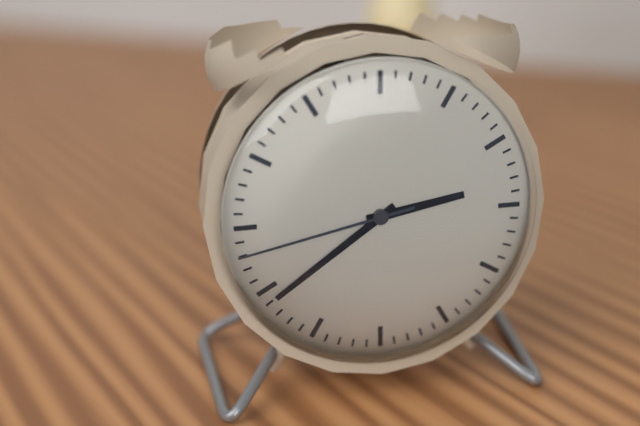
2.39.43
